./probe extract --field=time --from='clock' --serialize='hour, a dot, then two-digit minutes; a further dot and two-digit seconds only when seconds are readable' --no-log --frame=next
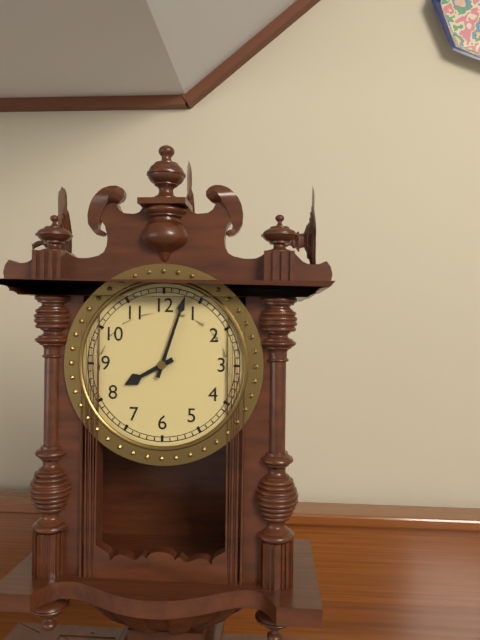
8.03
